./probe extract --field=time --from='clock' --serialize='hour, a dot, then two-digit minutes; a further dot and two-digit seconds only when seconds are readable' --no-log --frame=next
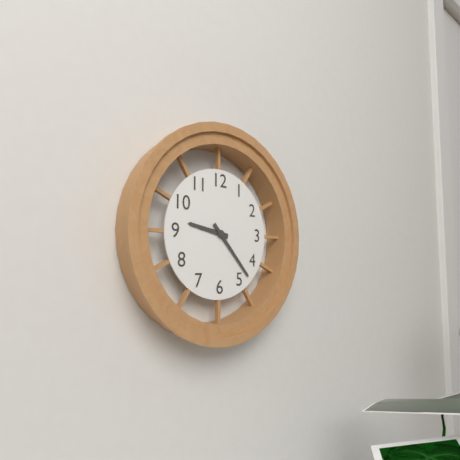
9.23
